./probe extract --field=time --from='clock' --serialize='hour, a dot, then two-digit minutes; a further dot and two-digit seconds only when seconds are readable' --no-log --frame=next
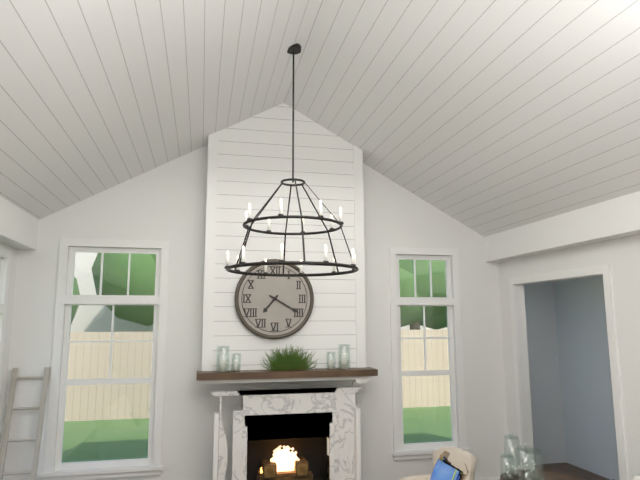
7.20
